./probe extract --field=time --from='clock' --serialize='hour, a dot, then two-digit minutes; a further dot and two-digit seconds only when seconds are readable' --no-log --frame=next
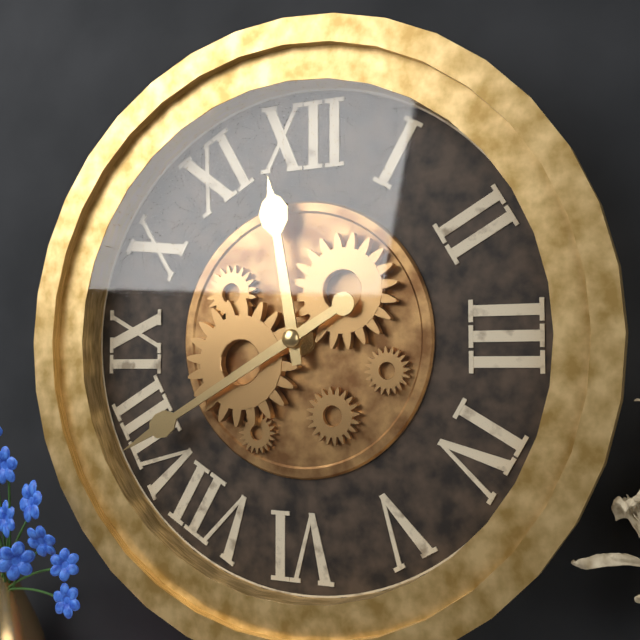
11.40
